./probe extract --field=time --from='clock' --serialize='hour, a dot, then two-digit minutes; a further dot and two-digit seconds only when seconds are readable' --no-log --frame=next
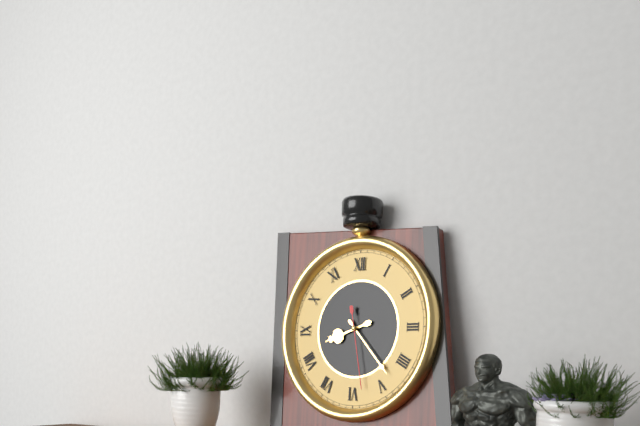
8.23.28
